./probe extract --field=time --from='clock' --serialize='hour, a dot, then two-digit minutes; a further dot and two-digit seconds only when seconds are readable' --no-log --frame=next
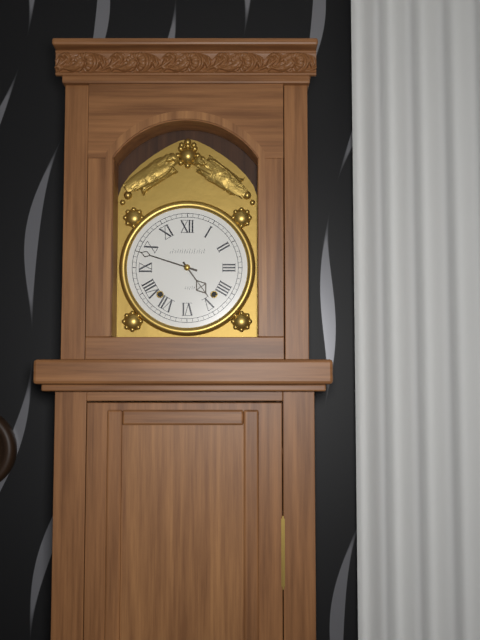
4.48
